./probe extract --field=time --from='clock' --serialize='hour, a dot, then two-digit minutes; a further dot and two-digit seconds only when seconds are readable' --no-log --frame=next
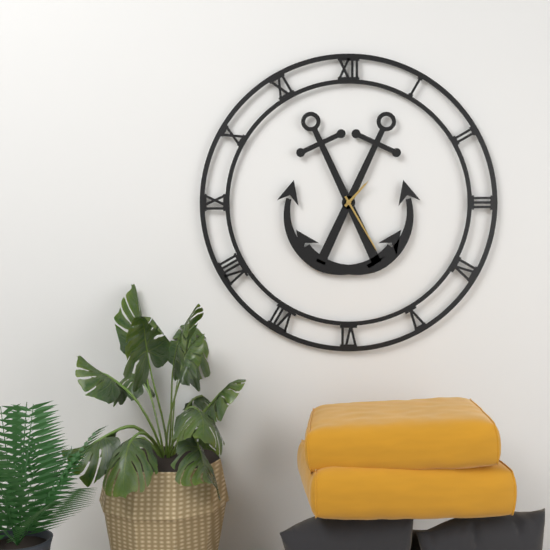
1.25
